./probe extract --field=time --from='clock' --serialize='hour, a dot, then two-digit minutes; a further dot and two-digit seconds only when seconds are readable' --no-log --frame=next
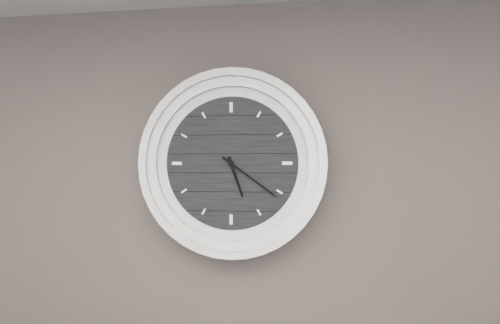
5.21
